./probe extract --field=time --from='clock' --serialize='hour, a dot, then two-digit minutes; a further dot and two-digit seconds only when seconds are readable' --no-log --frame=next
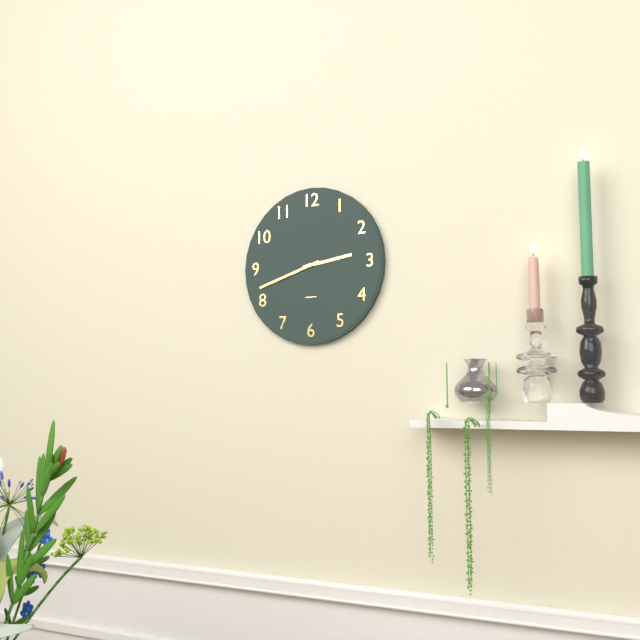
2.42
